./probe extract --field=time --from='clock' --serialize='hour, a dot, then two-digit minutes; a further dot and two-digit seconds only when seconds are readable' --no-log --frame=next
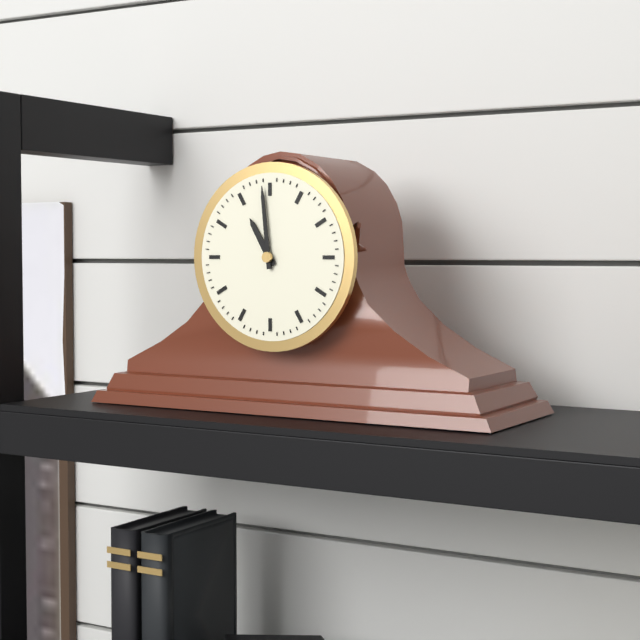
10.59
